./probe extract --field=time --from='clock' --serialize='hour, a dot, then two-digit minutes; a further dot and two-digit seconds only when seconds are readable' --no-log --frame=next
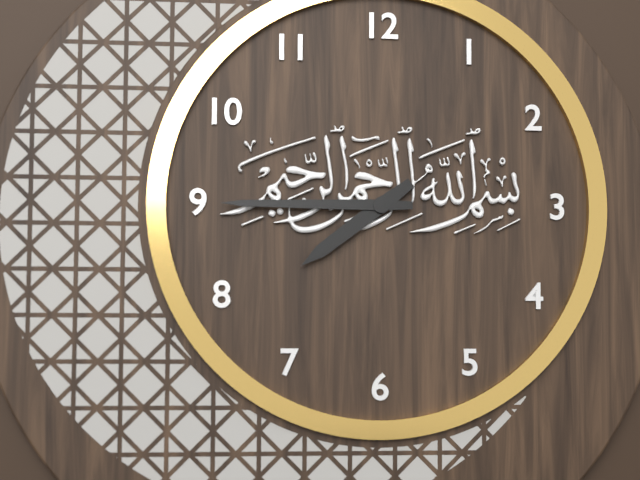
7.45
